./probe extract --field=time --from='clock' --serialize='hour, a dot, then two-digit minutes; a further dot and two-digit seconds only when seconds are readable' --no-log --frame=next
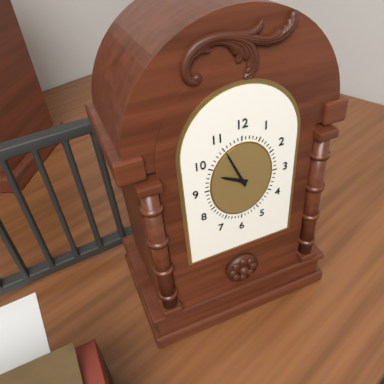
9.56
